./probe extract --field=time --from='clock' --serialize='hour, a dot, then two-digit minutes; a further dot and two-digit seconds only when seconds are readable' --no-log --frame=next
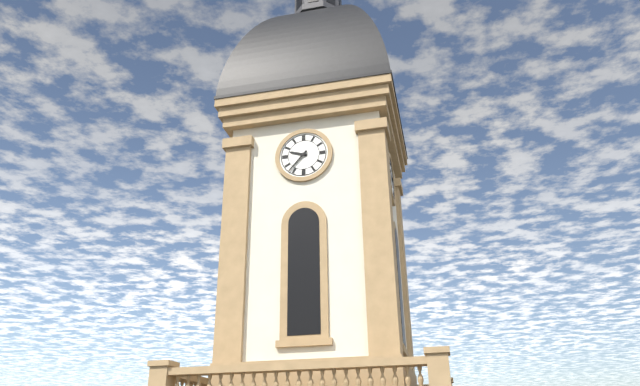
9.37
